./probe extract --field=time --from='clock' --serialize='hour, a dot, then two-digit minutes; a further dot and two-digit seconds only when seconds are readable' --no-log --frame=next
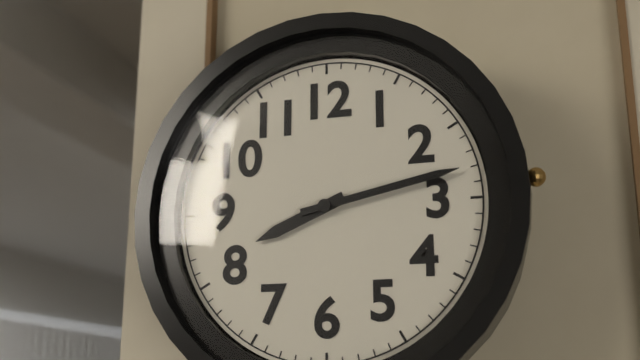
8.13
